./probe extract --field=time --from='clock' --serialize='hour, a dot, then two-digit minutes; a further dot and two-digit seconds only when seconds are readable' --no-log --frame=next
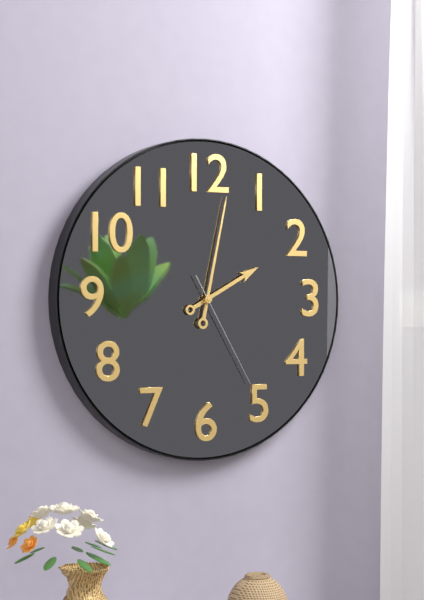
2.02.25
